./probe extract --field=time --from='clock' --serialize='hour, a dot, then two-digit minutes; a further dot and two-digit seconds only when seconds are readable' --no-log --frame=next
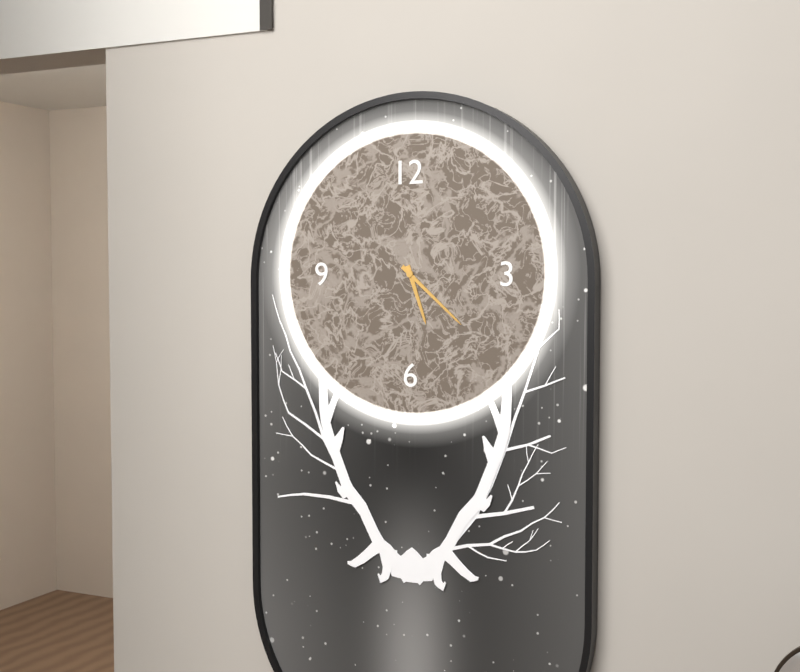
5.22
